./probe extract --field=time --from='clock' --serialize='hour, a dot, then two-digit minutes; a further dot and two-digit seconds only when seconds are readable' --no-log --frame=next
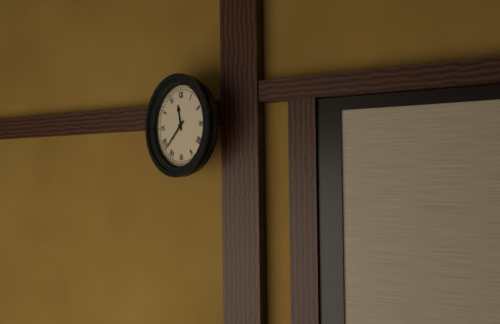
11.38
